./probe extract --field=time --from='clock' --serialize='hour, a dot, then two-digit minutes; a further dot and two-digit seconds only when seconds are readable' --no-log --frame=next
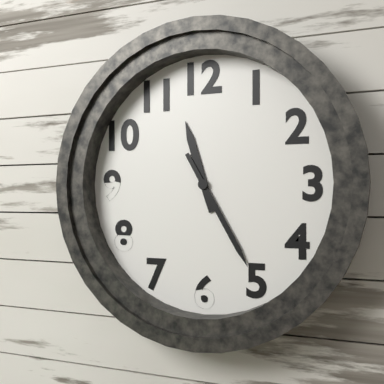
11.25
